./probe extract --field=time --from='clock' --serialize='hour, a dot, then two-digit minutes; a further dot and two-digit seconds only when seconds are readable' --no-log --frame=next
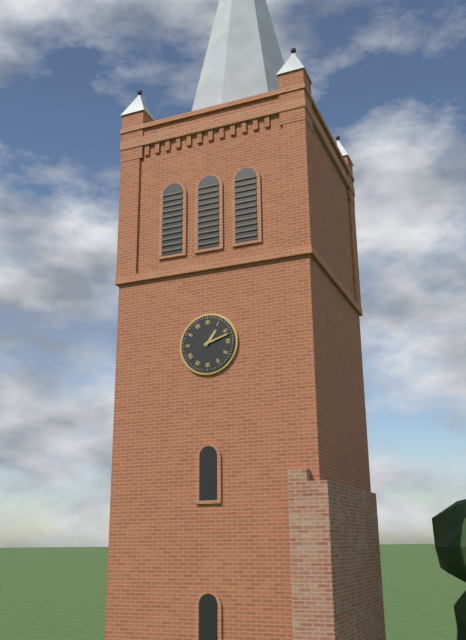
1.12
